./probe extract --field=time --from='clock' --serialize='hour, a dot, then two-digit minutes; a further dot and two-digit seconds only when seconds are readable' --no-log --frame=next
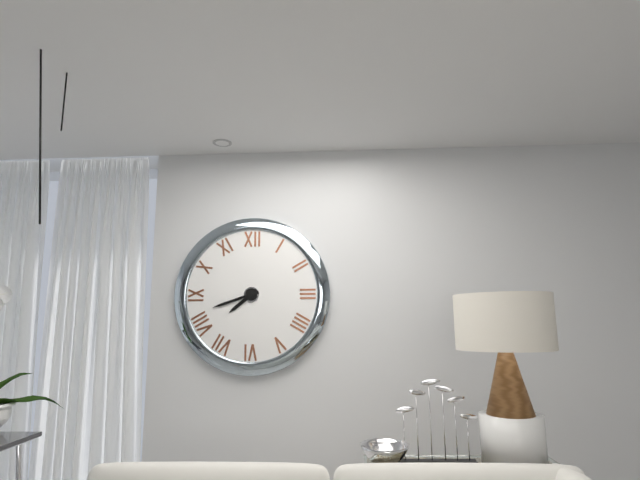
7.42
